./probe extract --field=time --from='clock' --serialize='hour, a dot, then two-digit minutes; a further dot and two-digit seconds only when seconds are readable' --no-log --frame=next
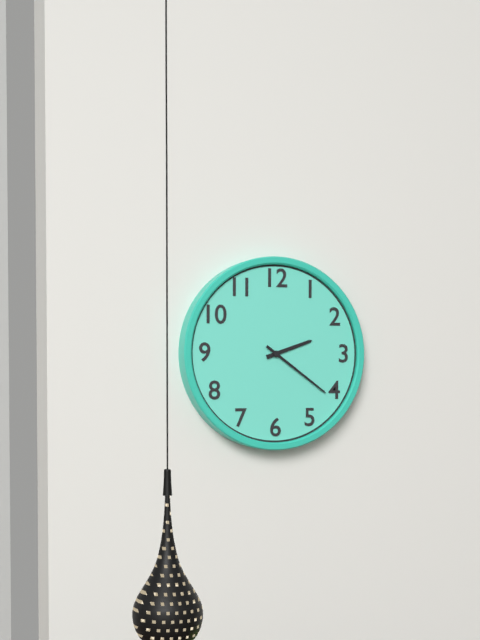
2.21
